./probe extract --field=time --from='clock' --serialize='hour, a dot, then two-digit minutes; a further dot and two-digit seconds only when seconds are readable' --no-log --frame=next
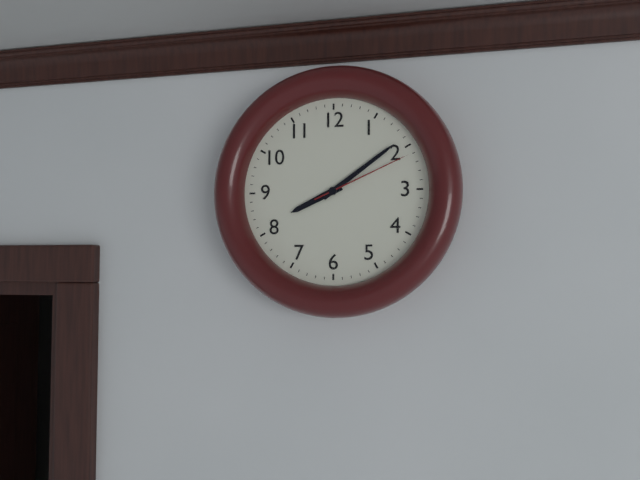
8.09.11
